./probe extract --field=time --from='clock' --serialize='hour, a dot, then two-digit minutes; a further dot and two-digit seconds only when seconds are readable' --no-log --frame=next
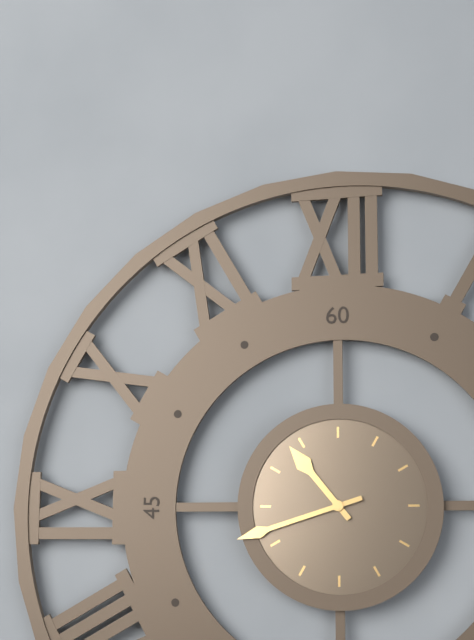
10.42
